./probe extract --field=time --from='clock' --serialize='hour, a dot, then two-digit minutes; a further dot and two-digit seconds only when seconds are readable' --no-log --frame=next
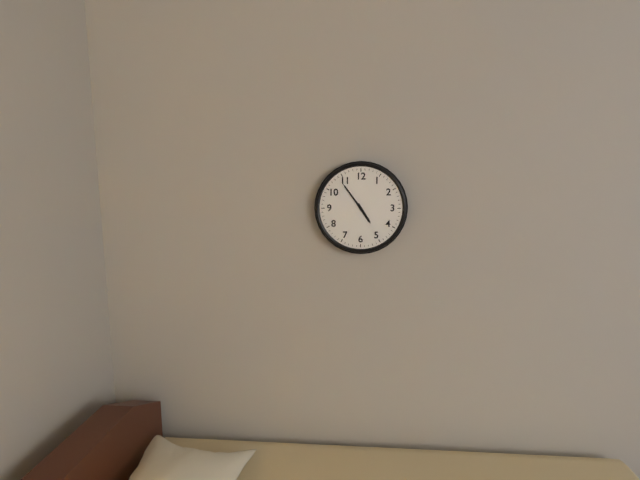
4.54
